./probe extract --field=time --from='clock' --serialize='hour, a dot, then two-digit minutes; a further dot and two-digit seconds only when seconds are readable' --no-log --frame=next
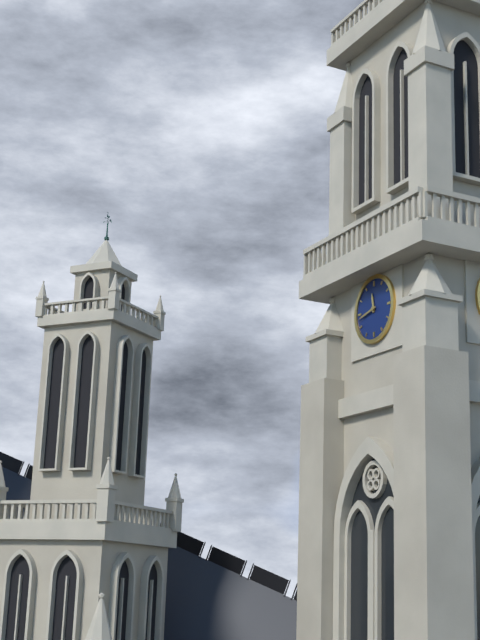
11.43
